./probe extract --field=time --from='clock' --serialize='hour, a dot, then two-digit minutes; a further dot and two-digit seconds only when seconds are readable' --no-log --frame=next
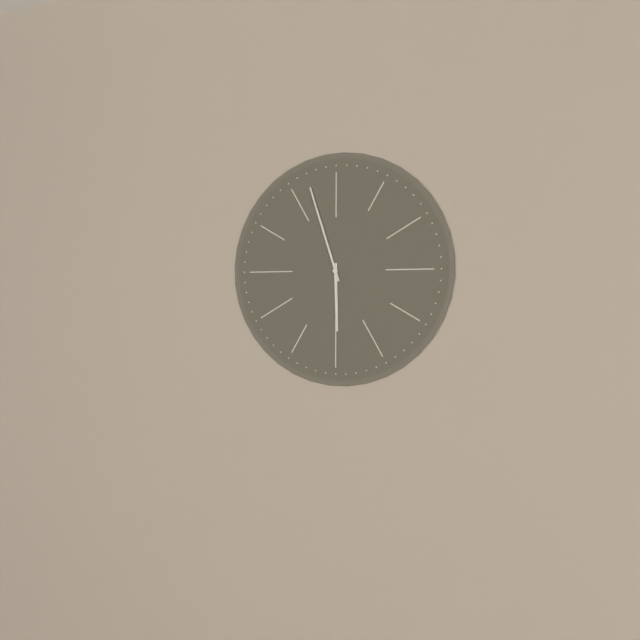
5.57
